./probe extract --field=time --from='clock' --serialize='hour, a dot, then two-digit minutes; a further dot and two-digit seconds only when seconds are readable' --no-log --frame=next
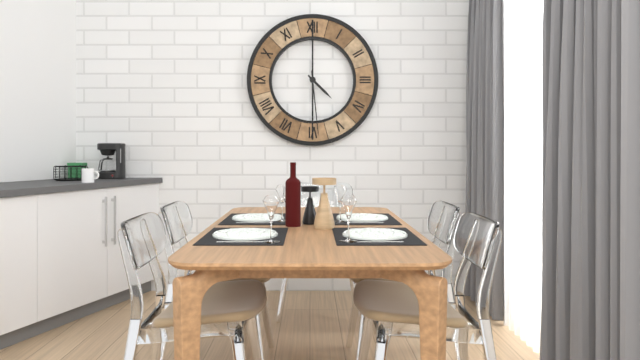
4.29
